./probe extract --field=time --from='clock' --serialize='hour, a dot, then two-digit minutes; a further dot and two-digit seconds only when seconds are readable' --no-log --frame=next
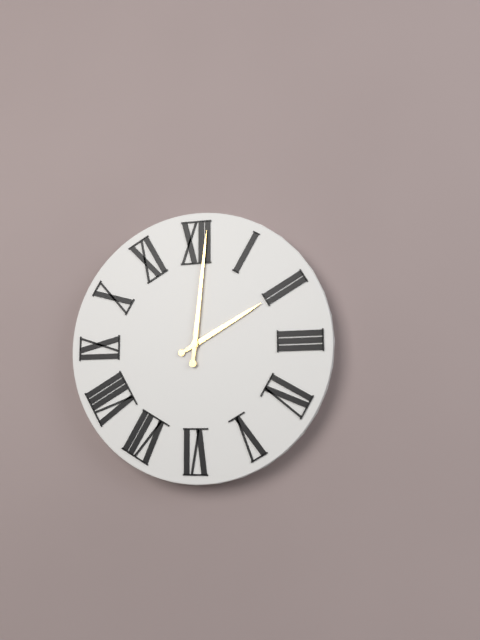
2.01
